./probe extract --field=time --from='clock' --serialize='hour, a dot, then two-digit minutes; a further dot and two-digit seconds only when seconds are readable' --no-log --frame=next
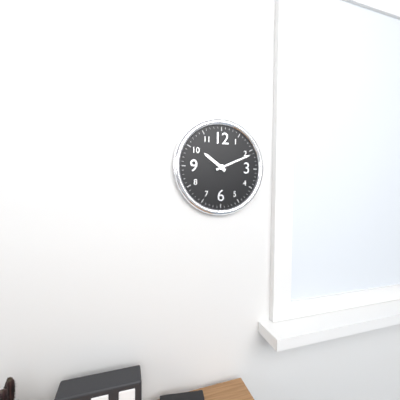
10.11
